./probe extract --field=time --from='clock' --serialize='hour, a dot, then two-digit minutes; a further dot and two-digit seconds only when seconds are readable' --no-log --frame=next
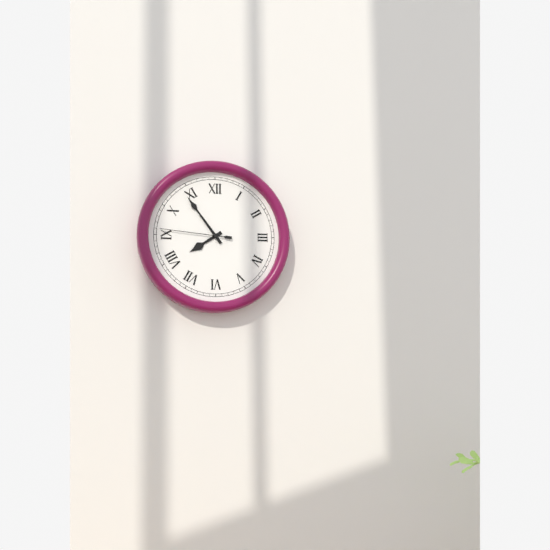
7.54.46
